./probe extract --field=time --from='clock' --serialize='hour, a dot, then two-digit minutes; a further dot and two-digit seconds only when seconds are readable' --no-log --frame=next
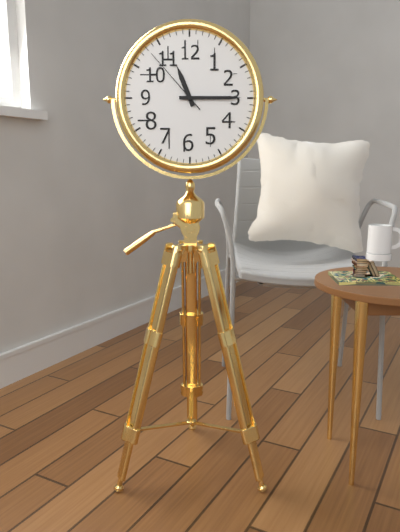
11.15.53
